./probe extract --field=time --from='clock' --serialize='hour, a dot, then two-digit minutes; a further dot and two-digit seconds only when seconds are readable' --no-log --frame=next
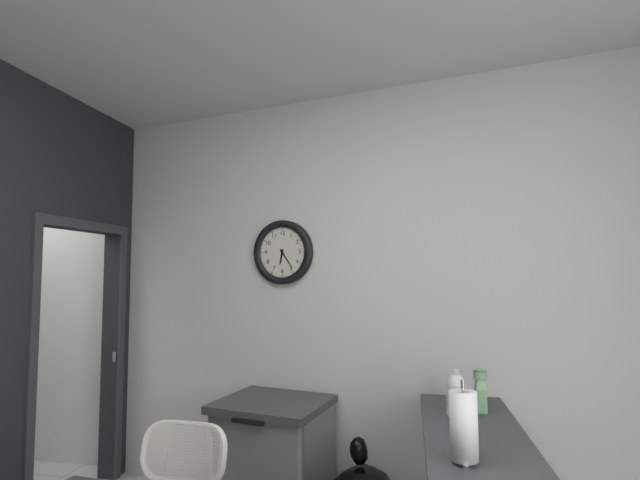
6.24
